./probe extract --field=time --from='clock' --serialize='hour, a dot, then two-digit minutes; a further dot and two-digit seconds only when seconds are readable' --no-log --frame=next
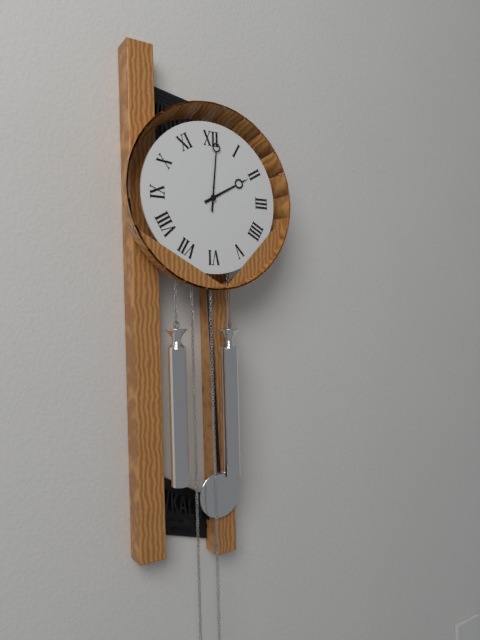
2.01
